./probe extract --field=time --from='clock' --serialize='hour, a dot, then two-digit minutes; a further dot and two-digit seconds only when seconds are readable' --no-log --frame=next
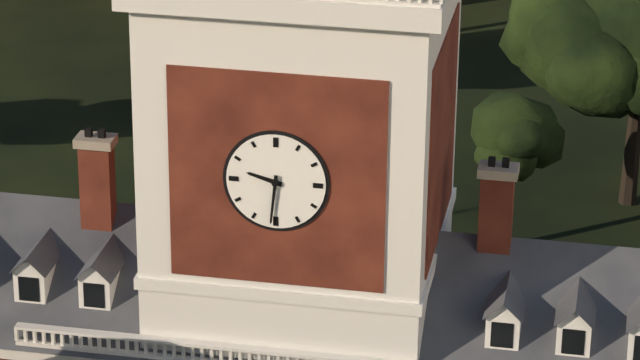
9.31
